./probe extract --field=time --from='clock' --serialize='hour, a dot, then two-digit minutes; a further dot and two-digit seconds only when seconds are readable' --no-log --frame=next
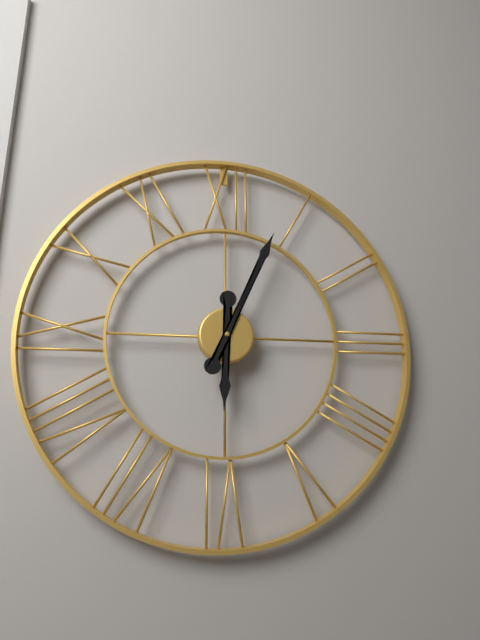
6.04
